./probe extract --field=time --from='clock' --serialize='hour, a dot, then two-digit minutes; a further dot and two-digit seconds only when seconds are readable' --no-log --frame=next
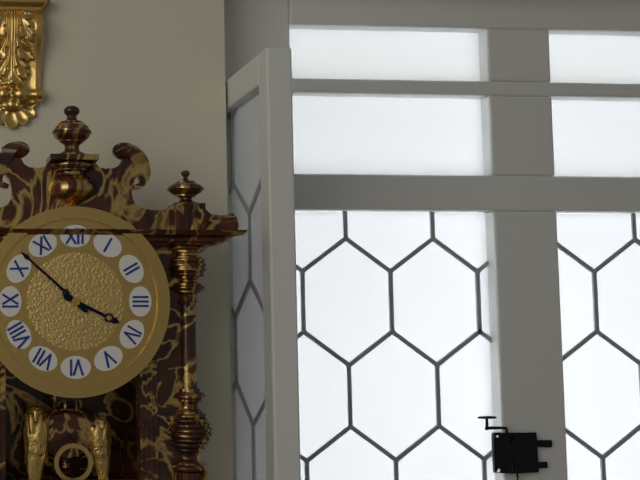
3.52
